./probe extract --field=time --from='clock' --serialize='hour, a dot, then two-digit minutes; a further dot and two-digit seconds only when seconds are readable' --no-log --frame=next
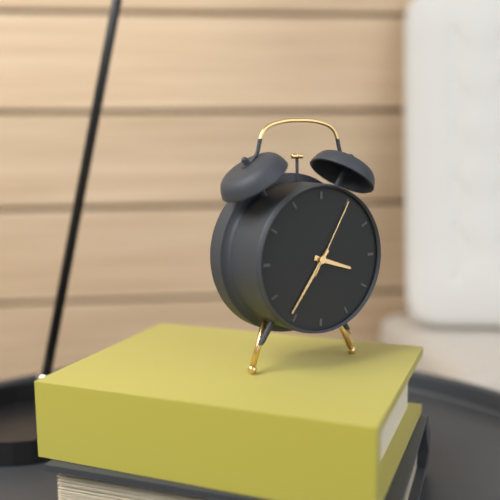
3.36.05
